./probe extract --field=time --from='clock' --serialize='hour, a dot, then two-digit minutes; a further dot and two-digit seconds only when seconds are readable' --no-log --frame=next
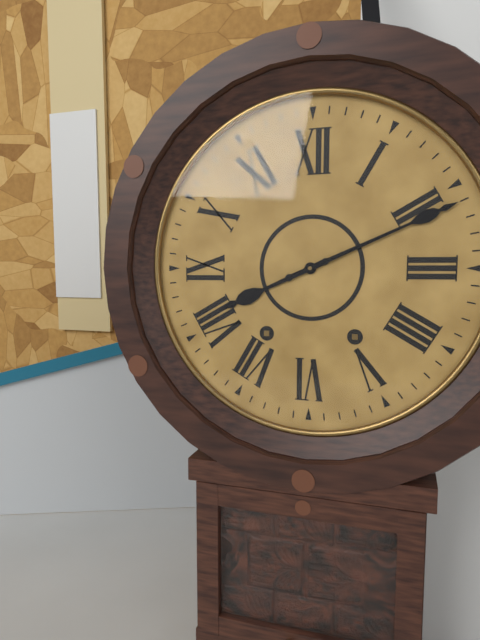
8.11
